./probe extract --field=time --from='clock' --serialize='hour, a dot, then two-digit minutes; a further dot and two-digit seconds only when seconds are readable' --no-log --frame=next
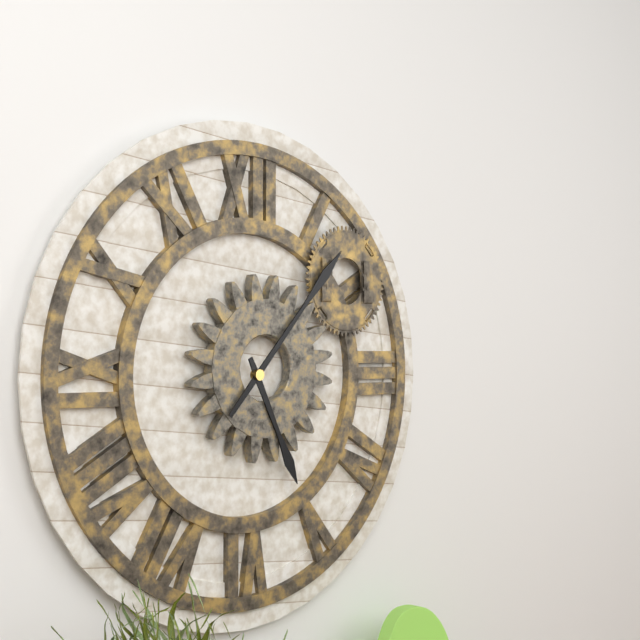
5.07
